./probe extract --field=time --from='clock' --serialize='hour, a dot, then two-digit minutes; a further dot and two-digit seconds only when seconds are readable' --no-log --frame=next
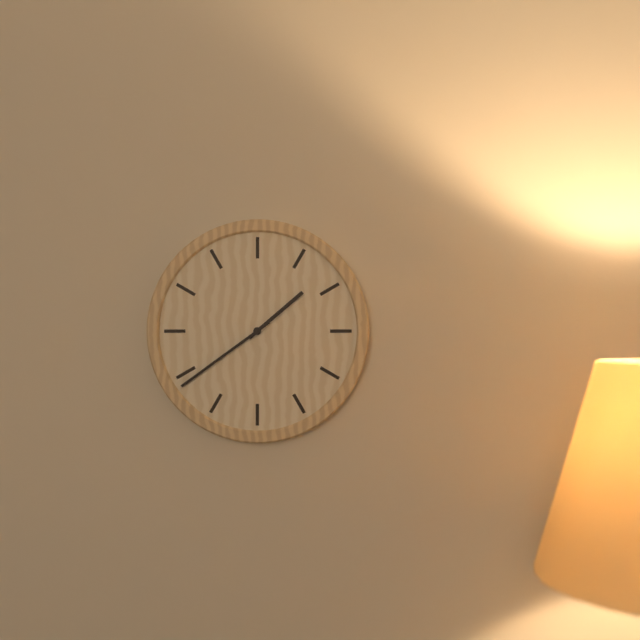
1.39
